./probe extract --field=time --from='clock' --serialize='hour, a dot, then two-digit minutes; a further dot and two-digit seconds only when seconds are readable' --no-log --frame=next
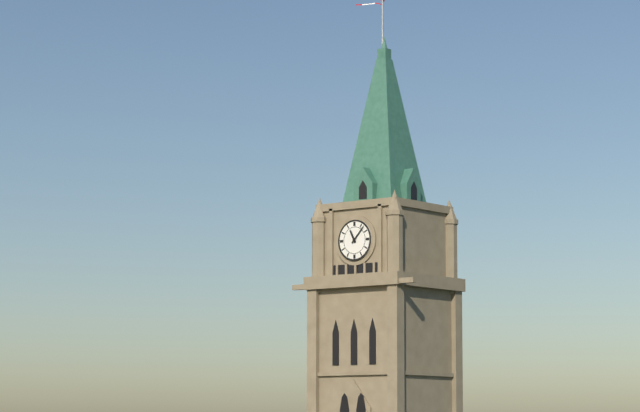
11.07
